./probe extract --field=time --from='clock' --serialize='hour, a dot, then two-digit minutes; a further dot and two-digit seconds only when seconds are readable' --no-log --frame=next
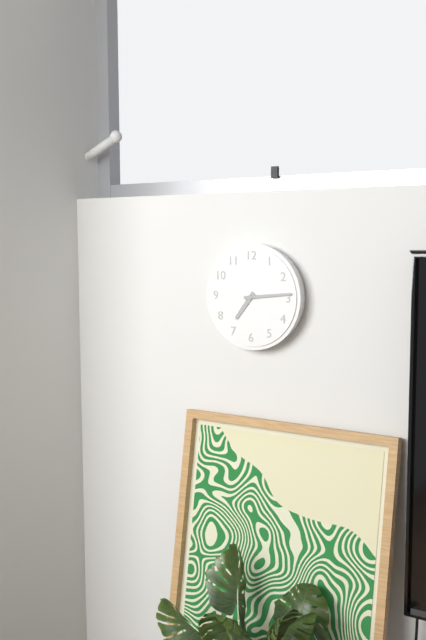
7.14
